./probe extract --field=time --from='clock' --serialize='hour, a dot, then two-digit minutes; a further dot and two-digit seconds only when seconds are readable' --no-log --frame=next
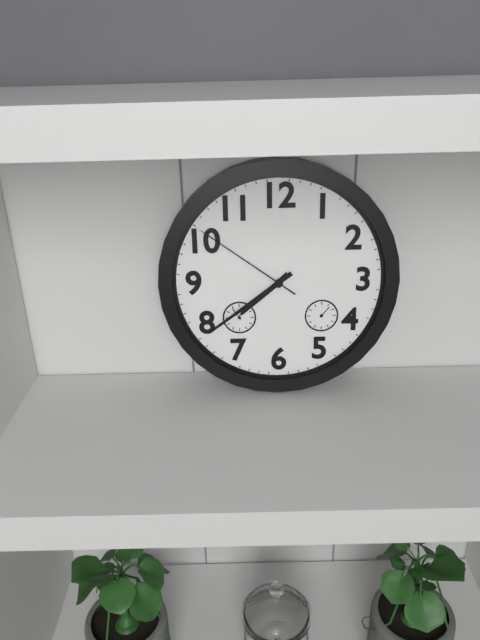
7.39.51
